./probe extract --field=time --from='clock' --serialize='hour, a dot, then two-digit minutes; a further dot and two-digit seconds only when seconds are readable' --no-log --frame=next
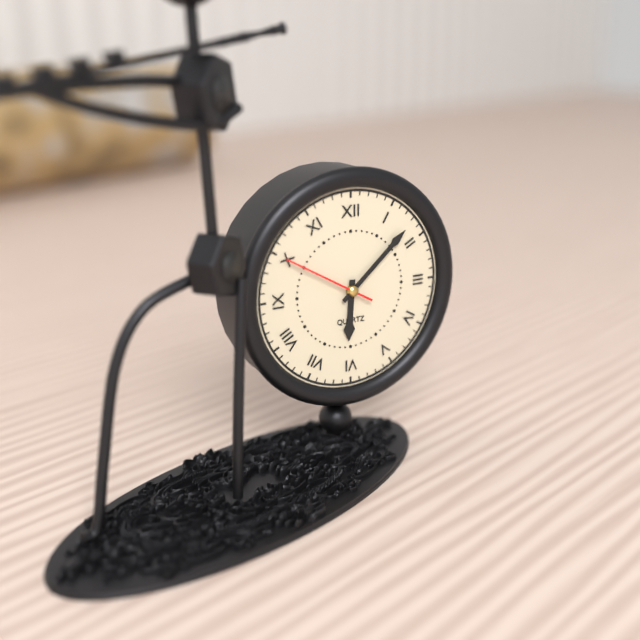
6.08.50
